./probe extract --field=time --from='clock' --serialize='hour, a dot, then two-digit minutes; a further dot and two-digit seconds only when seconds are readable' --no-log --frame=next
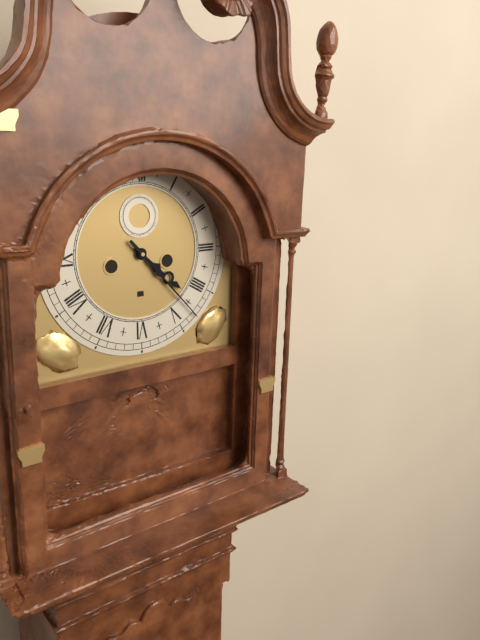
4.23
